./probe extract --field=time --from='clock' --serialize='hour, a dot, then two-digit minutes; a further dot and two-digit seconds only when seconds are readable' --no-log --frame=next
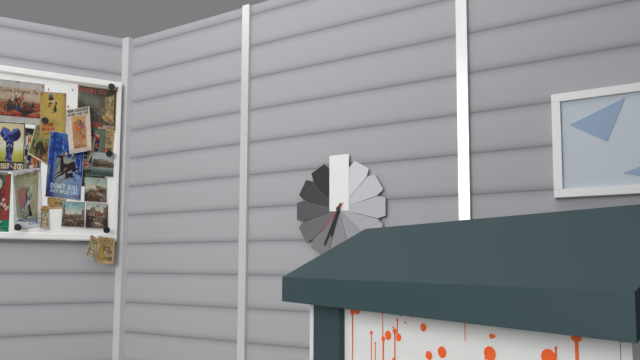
6.34
